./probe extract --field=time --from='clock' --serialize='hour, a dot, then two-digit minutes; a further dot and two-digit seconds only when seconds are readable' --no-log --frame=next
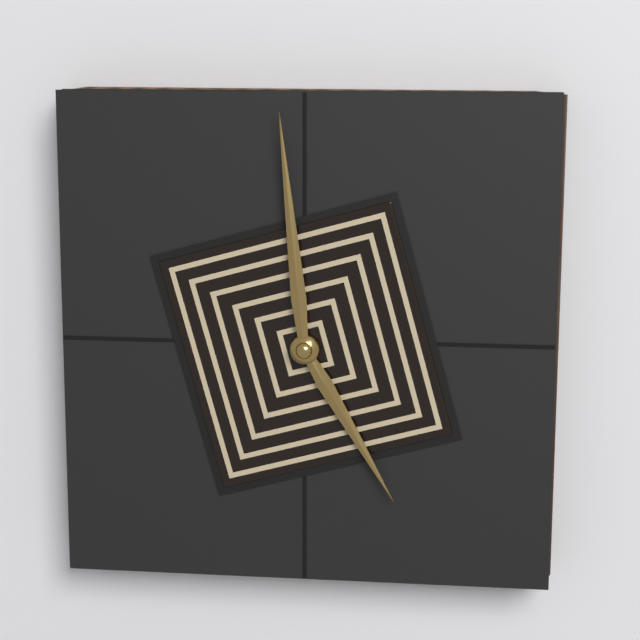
4.59
